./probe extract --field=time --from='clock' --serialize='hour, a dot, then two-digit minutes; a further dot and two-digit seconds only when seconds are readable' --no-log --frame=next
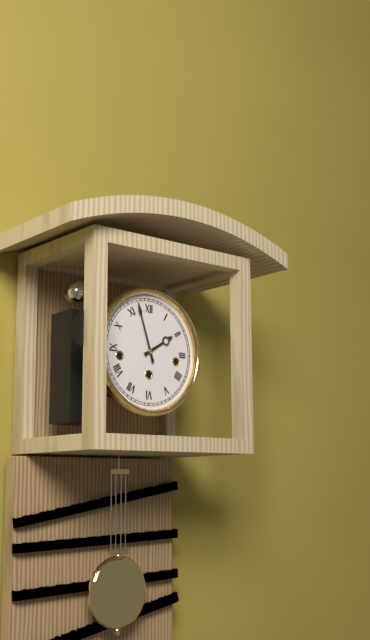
1.57
